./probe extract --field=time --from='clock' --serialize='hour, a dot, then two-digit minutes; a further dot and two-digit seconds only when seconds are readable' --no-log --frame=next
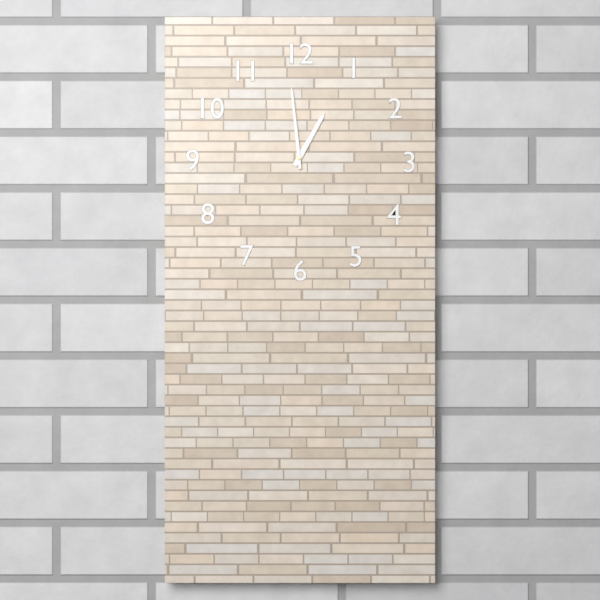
12.59
